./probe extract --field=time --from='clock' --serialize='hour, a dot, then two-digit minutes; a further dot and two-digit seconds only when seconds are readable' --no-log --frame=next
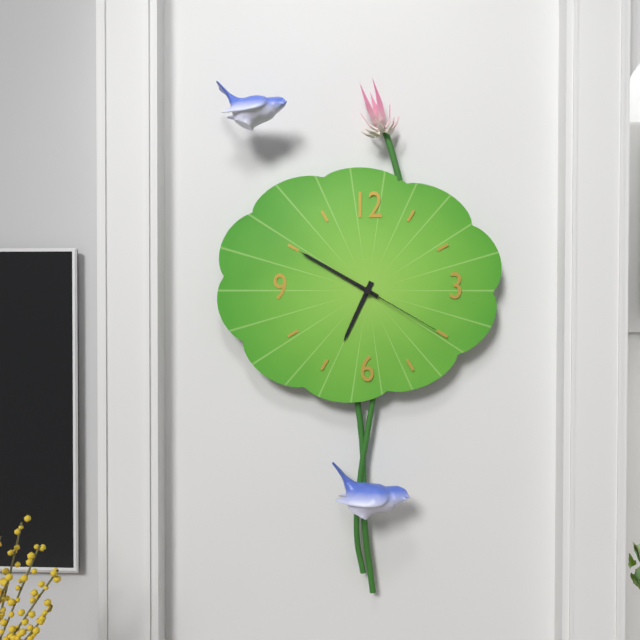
6.50.20
